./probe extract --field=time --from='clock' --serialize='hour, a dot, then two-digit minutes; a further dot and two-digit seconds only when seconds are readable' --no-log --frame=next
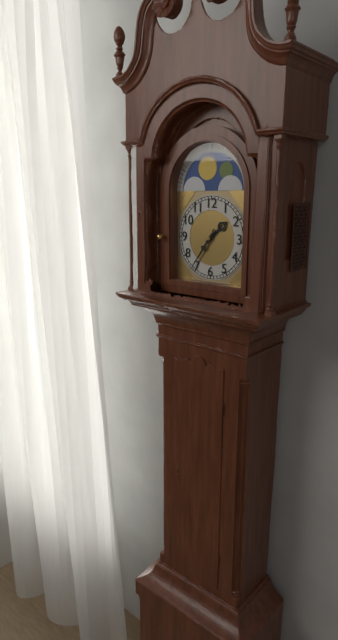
1.36
